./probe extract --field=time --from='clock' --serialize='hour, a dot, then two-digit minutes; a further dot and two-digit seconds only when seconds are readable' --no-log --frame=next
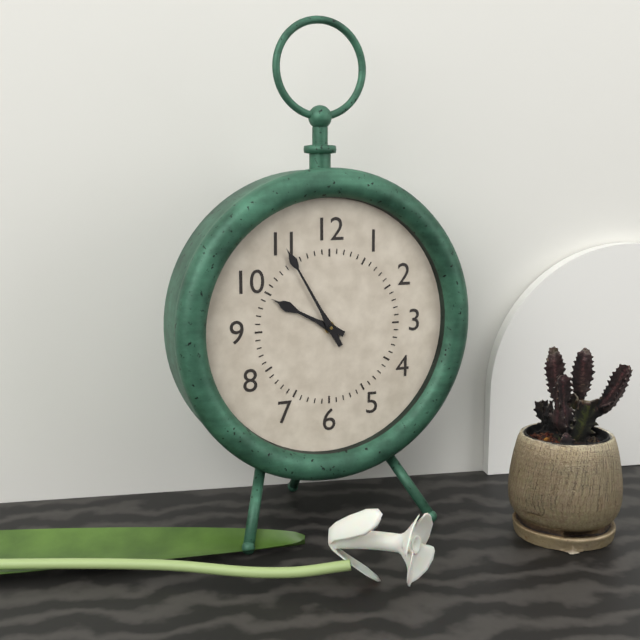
9.55
